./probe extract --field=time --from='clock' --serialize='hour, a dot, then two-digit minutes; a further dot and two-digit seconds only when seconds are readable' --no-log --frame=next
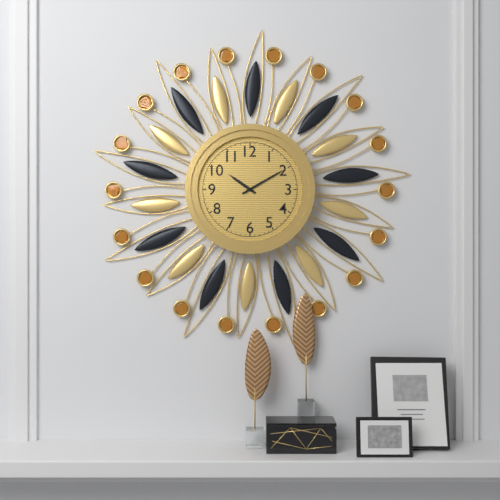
10.10
